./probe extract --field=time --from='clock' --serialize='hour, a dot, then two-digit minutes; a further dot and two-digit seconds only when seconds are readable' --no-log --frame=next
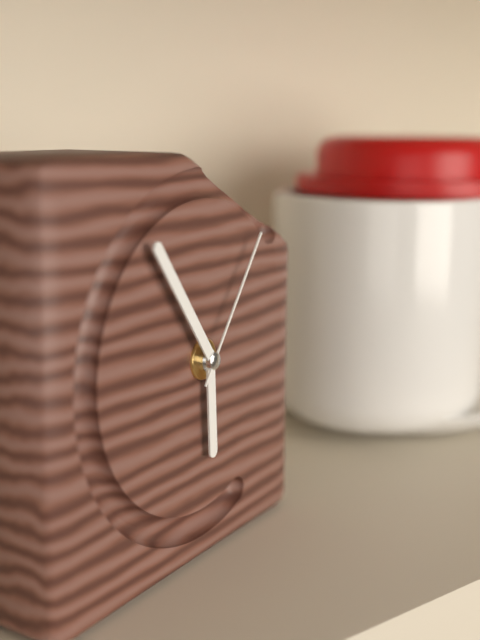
5.54.06
